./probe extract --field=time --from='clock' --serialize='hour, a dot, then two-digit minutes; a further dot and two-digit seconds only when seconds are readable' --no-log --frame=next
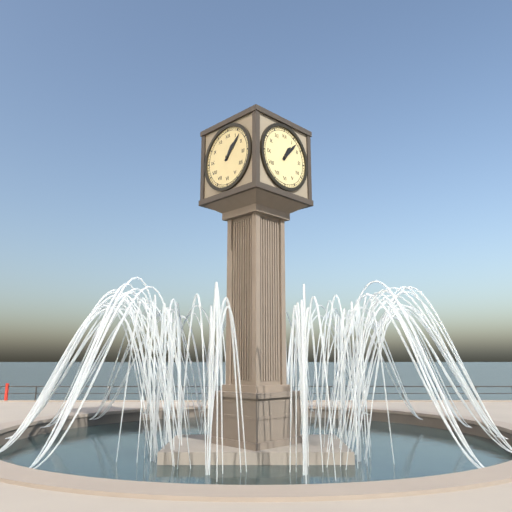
1.07
